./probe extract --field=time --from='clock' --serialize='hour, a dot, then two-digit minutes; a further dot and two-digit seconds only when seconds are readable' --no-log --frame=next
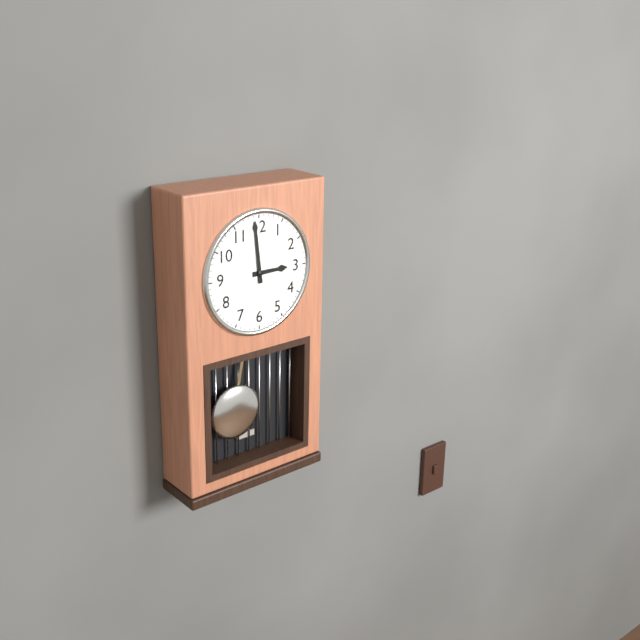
2.59
